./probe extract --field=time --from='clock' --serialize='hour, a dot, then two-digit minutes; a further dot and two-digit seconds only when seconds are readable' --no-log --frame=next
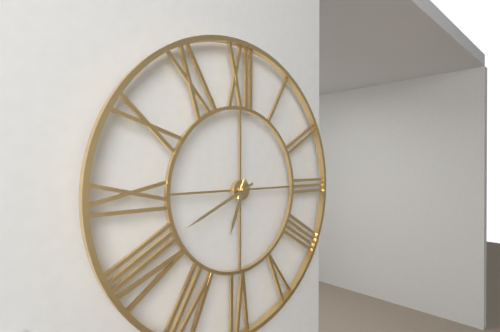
6.41
